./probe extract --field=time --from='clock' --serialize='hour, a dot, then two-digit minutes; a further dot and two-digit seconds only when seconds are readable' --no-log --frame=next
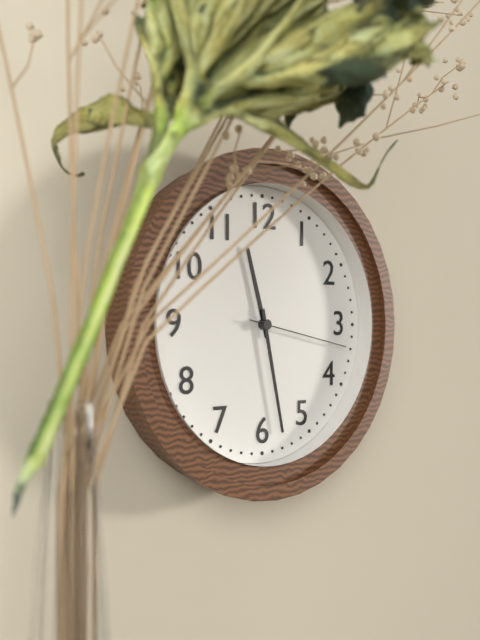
11.28.17
